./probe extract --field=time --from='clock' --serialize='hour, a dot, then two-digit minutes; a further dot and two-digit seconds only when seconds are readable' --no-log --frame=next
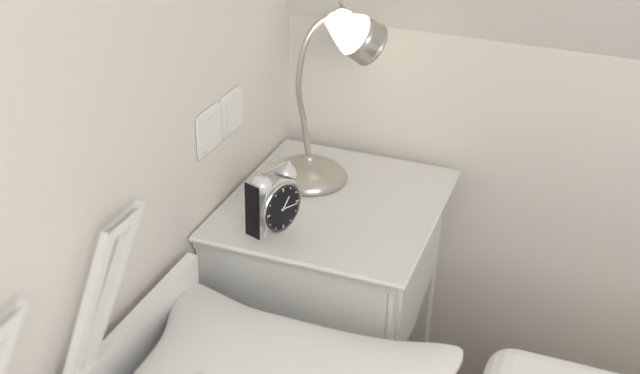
1.16
